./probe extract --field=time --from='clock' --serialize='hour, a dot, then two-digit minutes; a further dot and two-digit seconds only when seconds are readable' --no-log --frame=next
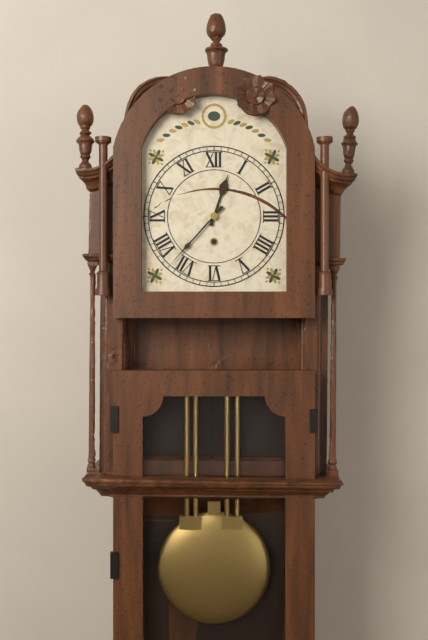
12.37
